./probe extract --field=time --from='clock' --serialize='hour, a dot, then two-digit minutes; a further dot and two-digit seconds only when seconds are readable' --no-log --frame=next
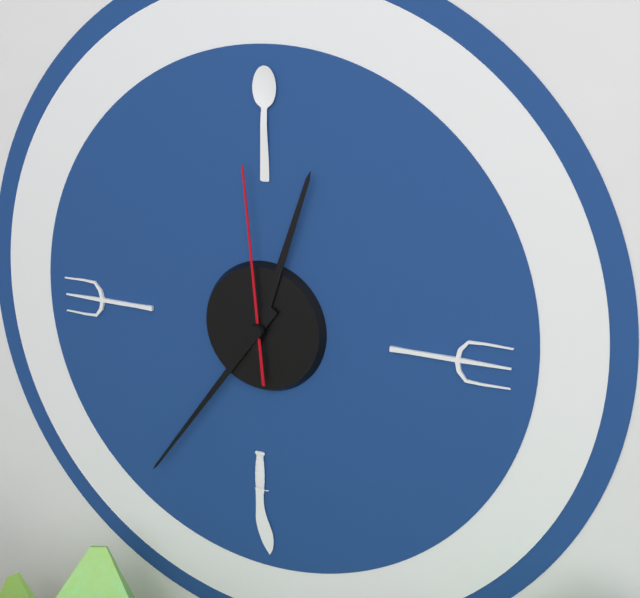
12.36.59
